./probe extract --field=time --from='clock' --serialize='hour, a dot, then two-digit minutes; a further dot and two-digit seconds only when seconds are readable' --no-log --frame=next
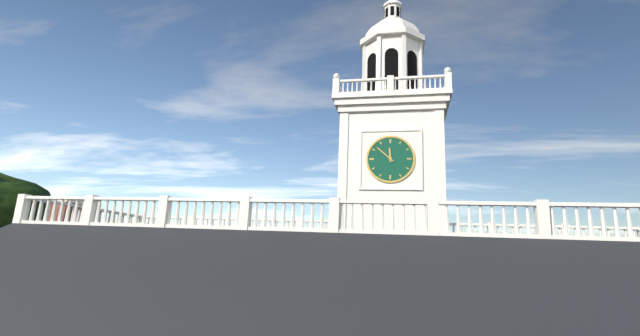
11.52
